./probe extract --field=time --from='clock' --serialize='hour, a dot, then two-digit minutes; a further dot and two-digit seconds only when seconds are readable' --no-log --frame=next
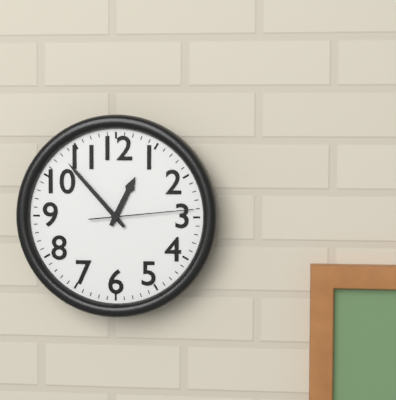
12.53.14
